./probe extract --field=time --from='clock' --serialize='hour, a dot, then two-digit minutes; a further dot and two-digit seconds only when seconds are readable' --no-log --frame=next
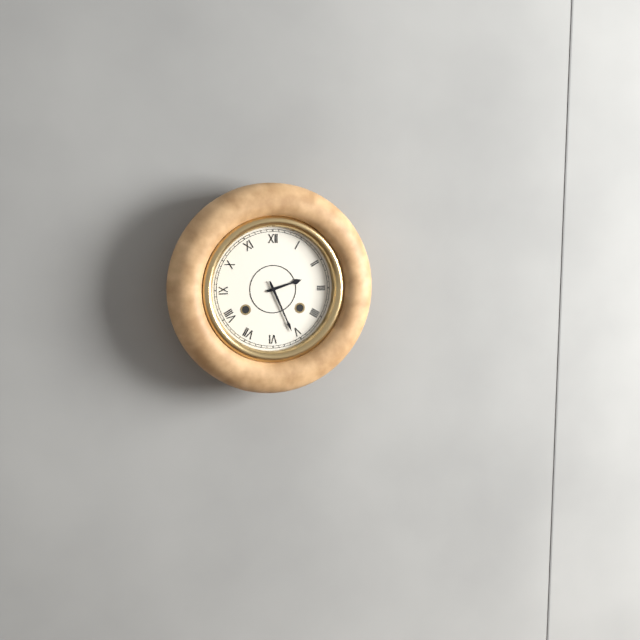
2.26
